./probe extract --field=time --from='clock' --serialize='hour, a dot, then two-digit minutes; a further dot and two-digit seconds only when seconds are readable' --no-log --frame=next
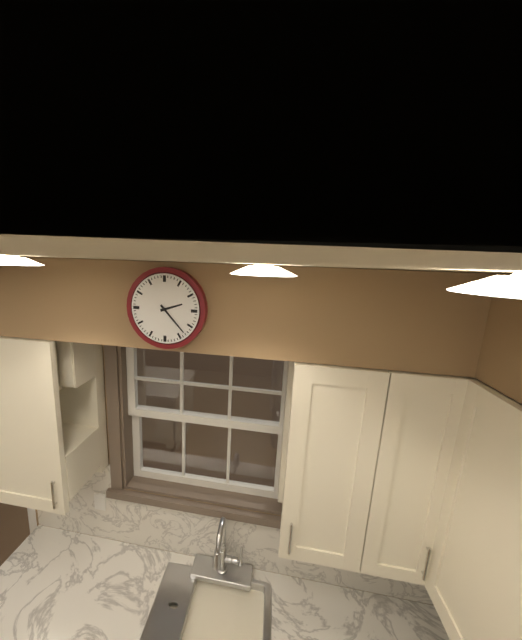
2.23
